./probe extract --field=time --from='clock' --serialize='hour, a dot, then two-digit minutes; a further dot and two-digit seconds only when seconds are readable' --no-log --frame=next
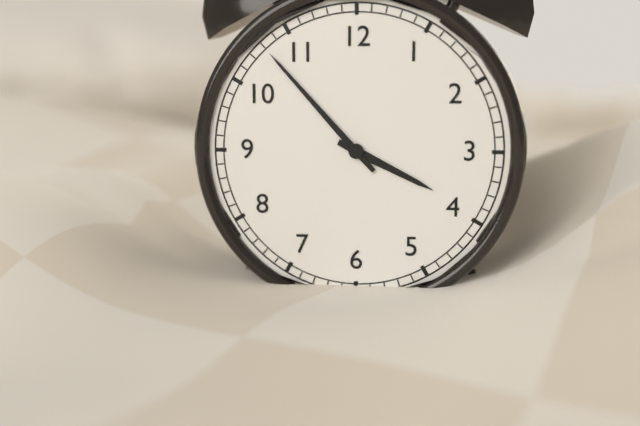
3.53
